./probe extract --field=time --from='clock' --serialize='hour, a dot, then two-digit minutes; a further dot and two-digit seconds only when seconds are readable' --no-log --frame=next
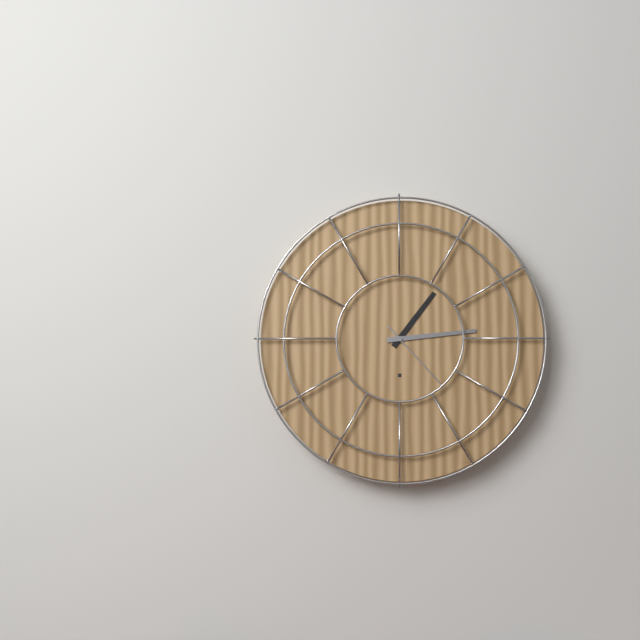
1.14.23
